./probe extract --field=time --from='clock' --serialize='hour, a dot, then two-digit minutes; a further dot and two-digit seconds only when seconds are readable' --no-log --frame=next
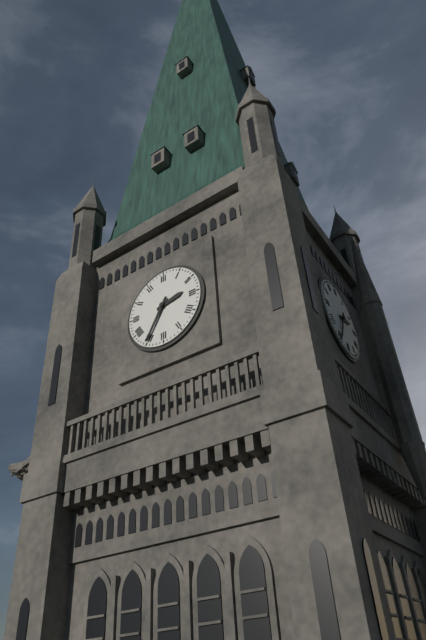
2.35
